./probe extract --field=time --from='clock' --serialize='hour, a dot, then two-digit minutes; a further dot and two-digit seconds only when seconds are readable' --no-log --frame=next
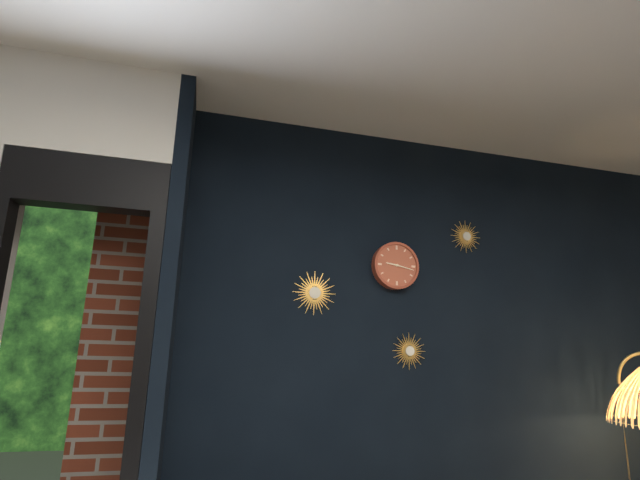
9.17
